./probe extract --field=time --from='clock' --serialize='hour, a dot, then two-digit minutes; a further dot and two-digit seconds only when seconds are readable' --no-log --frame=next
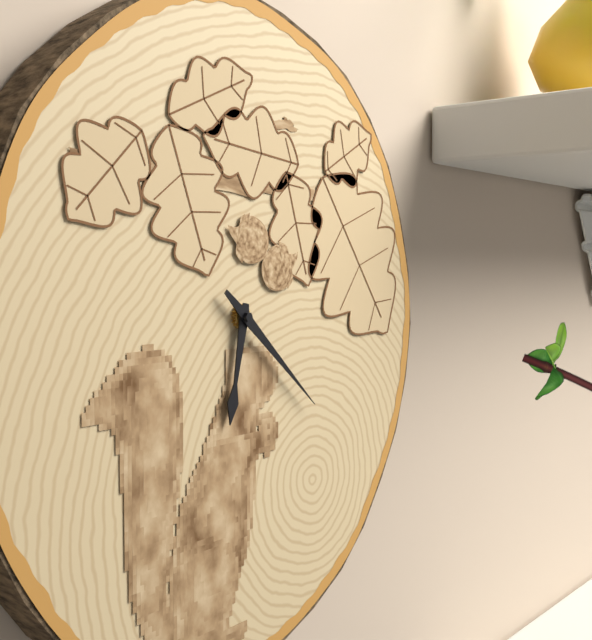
6.22
